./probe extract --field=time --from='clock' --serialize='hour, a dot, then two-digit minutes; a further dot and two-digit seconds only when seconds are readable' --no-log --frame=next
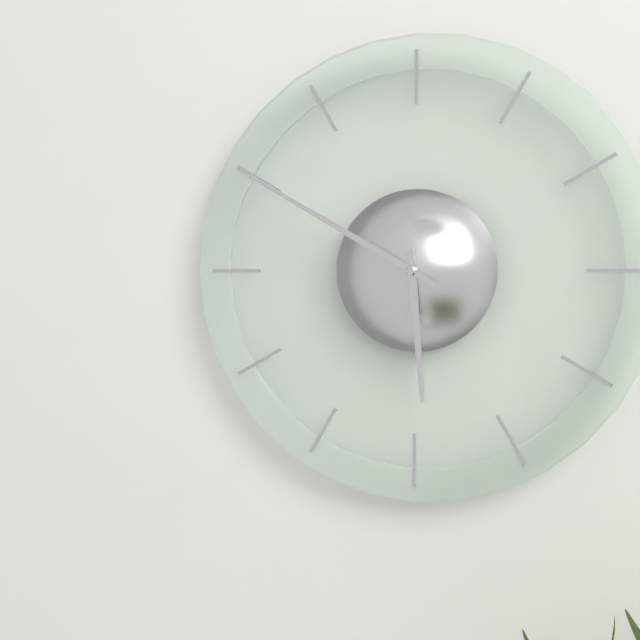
5.50
